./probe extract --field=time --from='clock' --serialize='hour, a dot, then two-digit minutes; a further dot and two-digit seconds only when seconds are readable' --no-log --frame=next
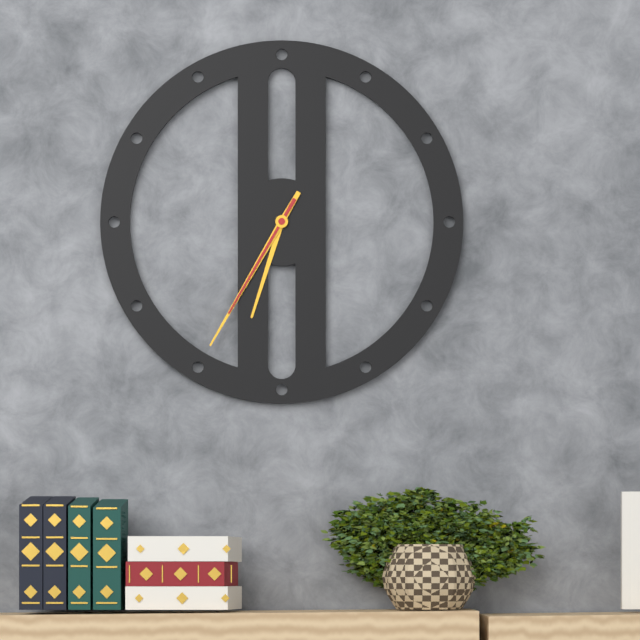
6.35.35
